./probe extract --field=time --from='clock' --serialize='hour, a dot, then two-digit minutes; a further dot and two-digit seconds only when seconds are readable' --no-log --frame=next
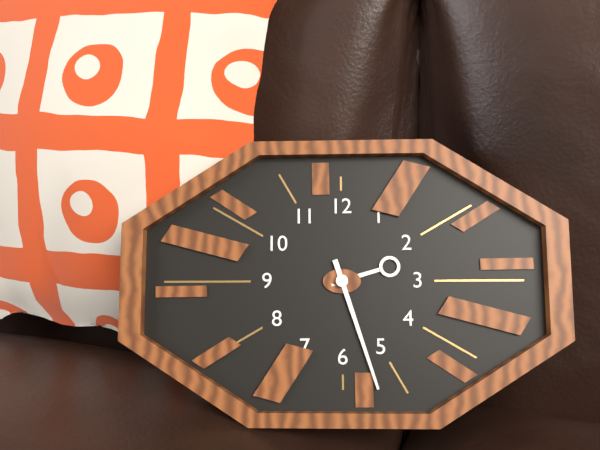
2.27
